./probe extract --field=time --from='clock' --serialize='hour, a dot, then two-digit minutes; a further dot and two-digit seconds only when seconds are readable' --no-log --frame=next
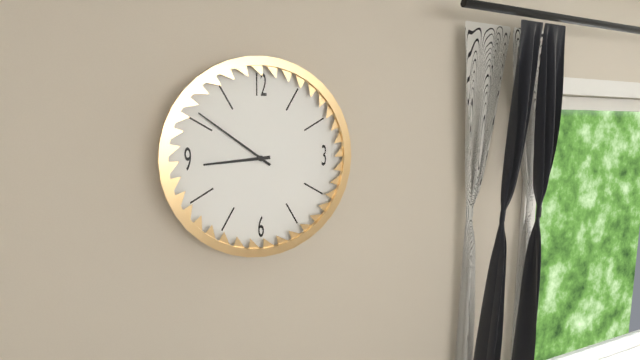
8.51
